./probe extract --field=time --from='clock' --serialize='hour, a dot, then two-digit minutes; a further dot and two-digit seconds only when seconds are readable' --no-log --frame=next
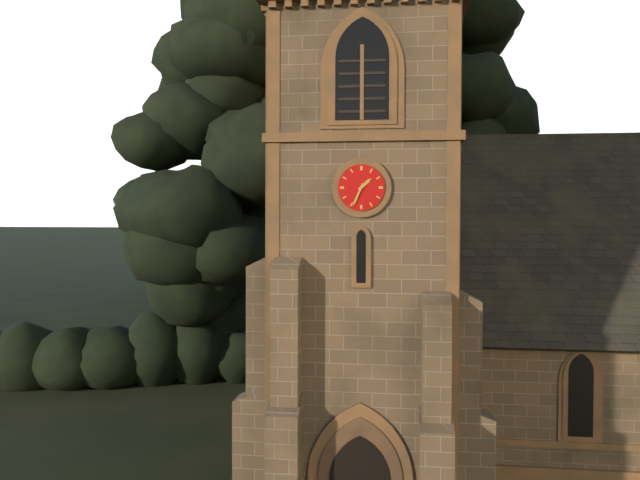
1.34
